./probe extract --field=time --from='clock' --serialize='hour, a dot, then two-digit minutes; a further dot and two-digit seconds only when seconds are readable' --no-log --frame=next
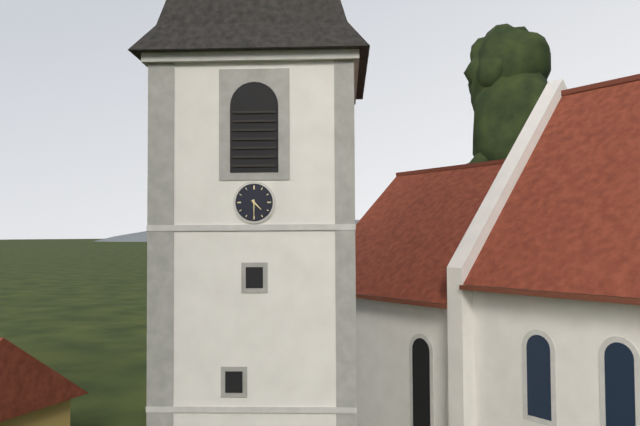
4.30
